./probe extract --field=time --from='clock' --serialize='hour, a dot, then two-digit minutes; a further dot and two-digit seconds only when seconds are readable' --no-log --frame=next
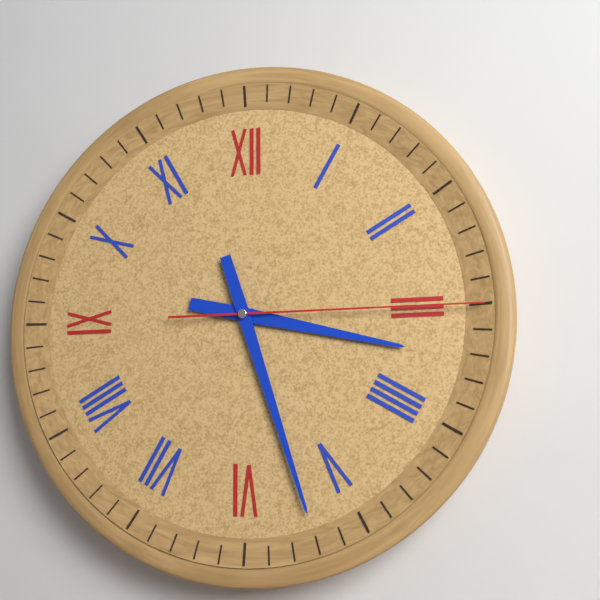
3.27.15
